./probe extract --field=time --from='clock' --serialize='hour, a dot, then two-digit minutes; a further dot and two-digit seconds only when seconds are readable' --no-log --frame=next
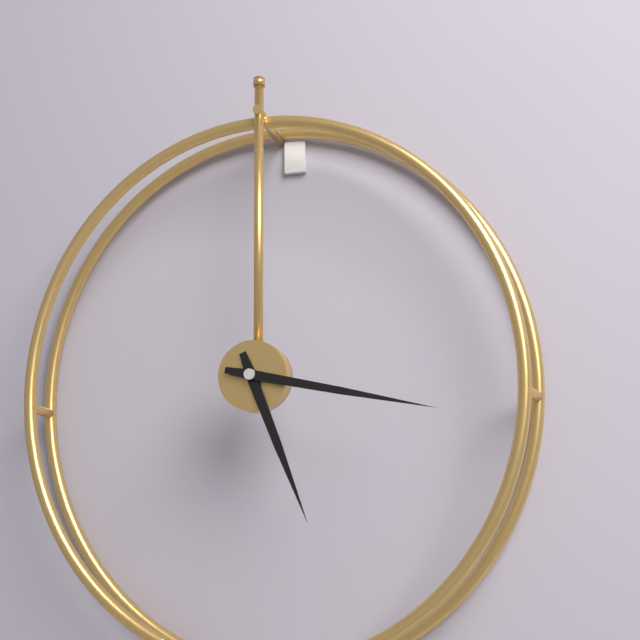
5.17
